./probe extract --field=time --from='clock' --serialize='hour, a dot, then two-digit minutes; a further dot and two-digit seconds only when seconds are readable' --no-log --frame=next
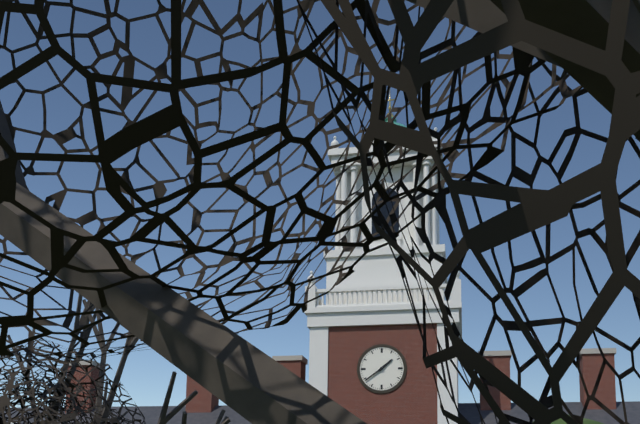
1.39
